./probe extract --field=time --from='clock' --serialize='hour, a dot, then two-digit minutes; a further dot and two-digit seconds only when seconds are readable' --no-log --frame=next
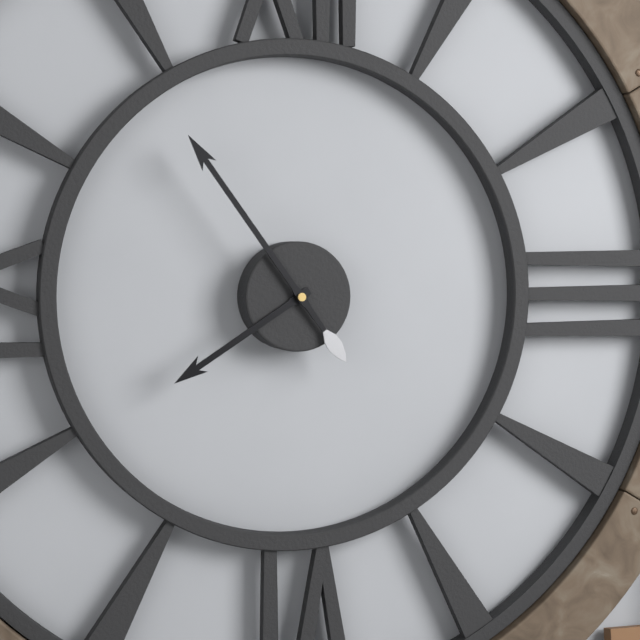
7.54
